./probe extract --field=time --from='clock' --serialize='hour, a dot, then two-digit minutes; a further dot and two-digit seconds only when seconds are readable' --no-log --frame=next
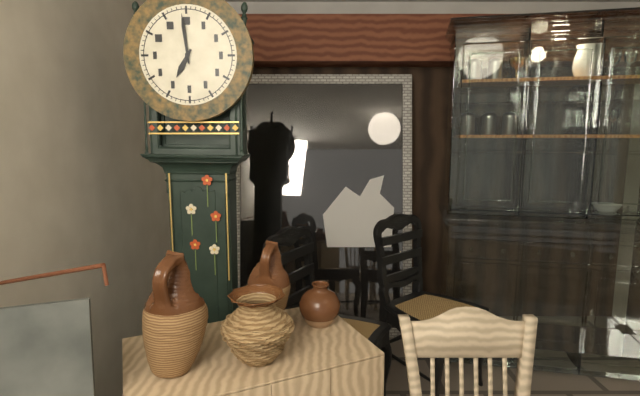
6.59
